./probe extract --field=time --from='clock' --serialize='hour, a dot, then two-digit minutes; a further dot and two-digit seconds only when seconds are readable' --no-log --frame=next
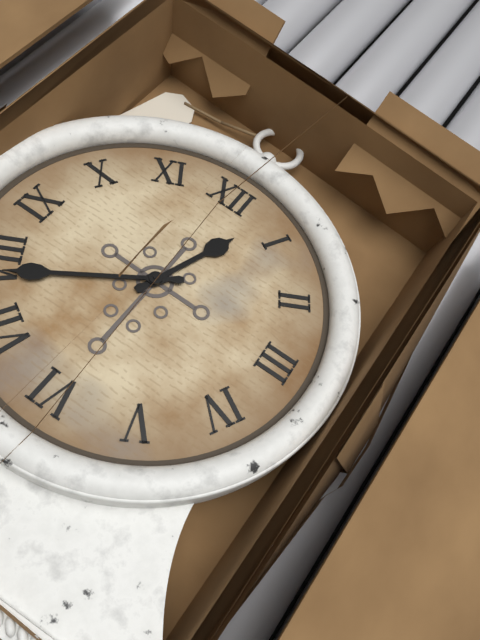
12.39
